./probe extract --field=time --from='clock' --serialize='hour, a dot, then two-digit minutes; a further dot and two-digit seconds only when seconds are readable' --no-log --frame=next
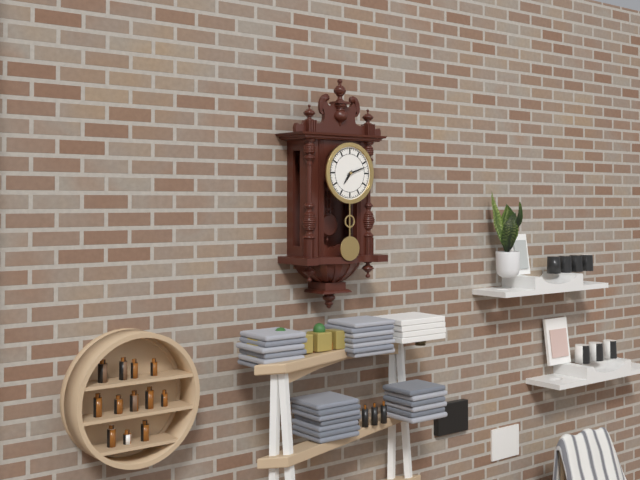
7.12
